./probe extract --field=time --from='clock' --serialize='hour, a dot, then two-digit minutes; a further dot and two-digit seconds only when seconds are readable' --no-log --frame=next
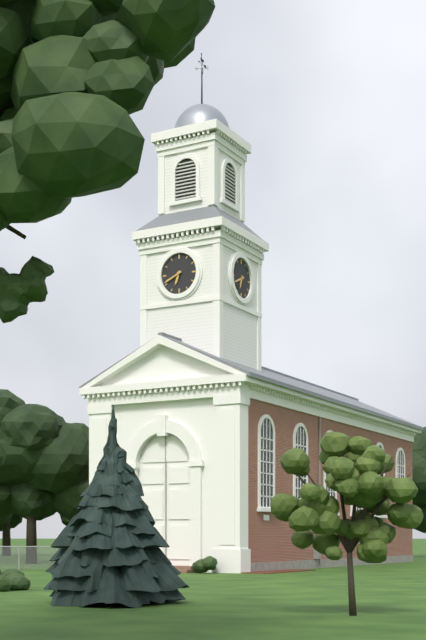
6.41
